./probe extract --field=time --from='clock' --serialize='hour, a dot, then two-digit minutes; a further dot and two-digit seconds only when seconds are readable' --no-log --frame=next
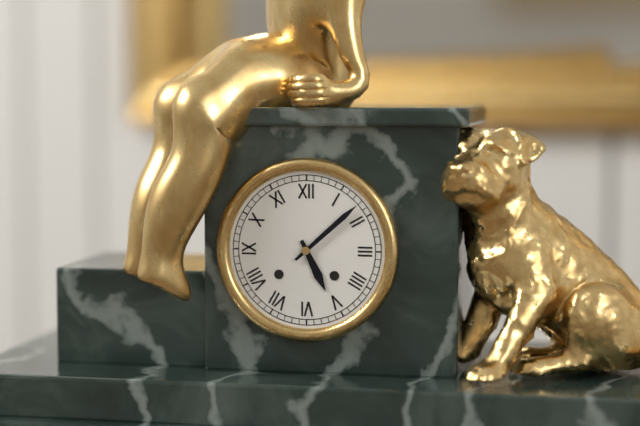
5.08
